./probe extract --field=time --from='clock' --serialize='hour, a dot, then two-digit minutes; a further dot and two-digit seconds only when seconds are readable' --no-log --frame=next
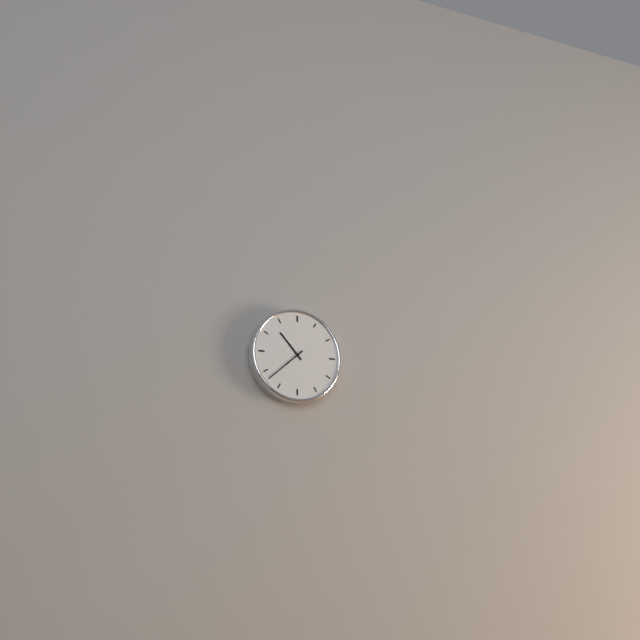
10.38
